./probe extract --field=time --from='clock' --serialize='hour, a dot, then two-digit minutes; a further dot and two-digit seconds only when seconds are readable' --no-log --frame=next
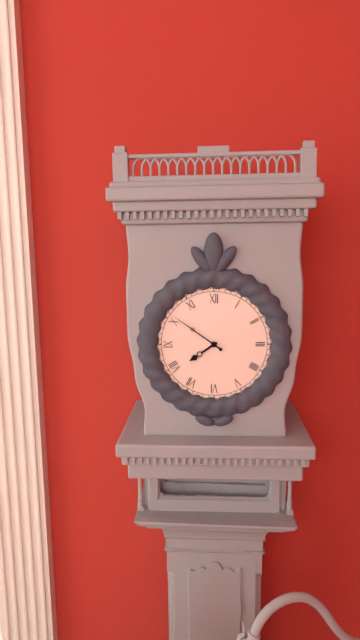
7.51
